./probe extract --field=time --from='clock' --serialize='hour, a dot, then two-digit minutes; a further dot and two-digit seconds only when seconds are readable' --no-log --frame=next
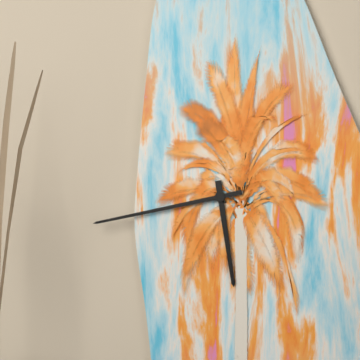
5.43
